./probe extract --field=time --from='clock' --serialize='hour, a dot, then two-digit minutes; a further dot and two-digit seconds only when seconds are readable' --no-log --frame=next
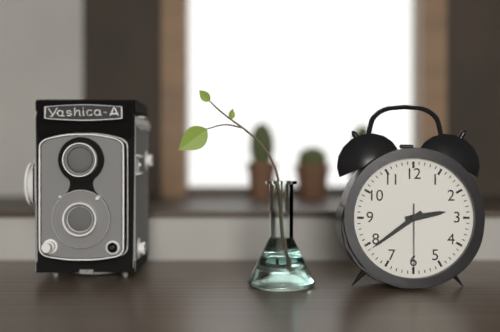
2.39.30
